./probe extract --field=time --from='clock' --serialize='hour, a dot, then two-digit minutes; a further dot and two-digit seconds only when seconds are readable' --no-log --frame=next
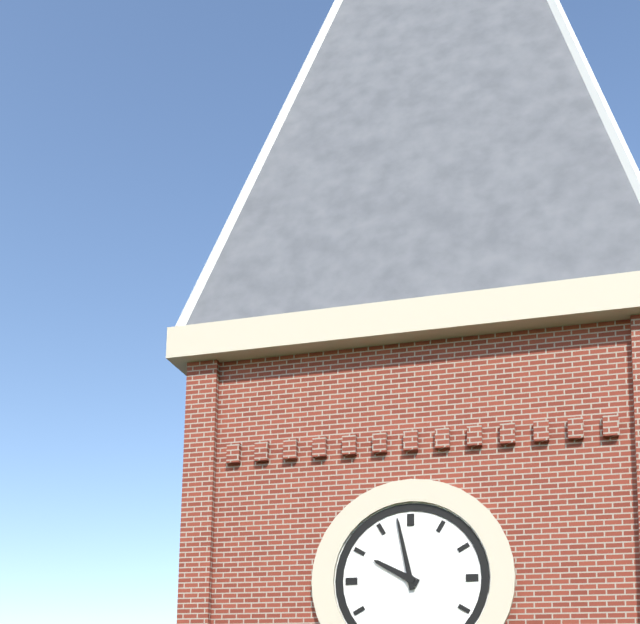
9.58
